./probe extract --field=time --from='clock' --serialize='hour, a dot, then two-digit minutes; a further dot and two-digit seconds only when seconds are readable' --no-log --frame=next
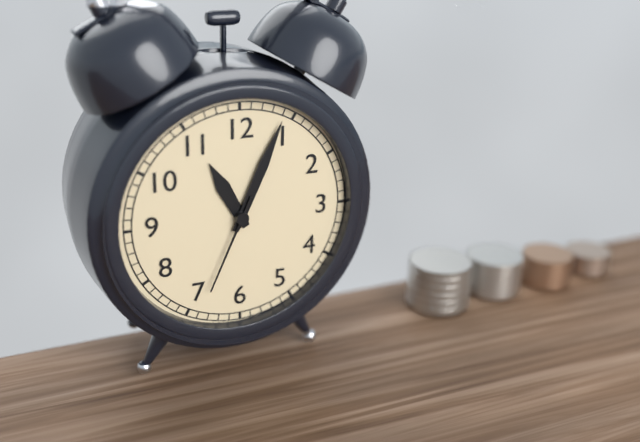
11.04.34
